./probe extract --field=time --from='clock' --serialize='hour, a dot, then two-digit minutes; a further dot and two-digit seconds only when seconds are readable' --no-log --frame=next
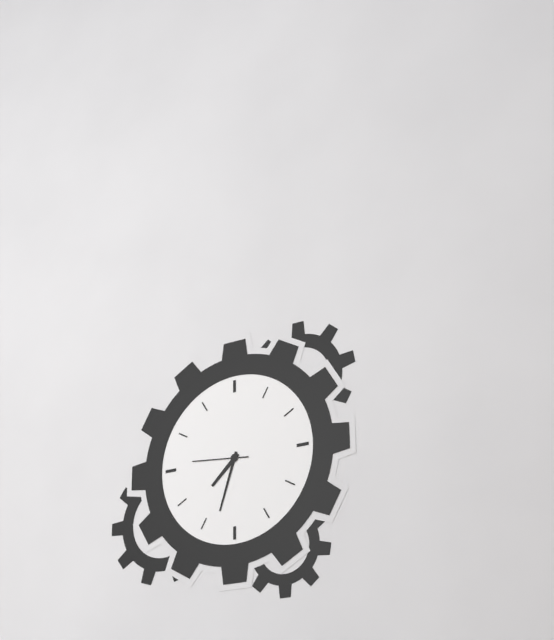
7.33.46
